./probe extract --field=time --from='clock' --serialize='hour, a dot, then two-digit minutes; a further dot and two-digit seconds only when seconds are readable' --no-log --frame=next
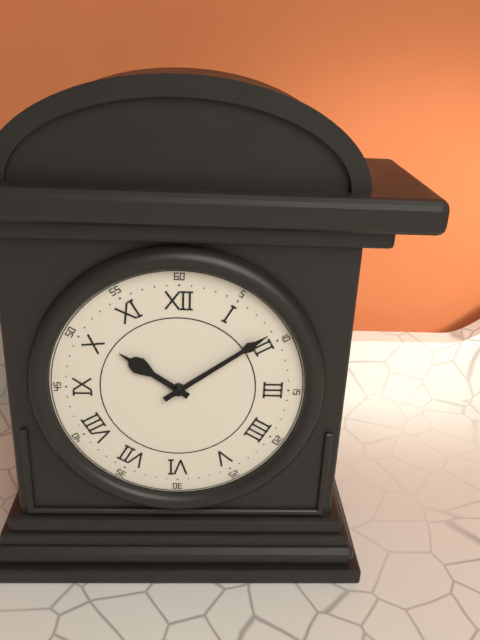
10.09
